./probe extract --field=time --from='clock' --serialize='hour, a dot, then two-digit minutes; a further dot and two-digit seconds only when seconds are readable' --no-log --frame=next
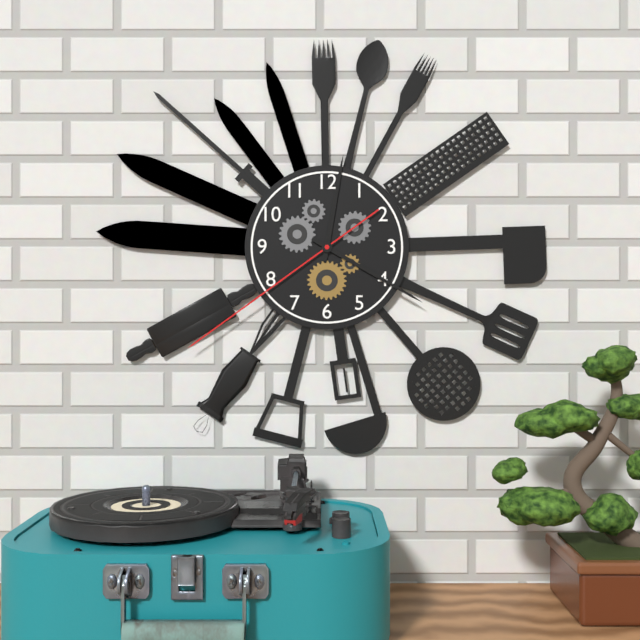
12.20.39
